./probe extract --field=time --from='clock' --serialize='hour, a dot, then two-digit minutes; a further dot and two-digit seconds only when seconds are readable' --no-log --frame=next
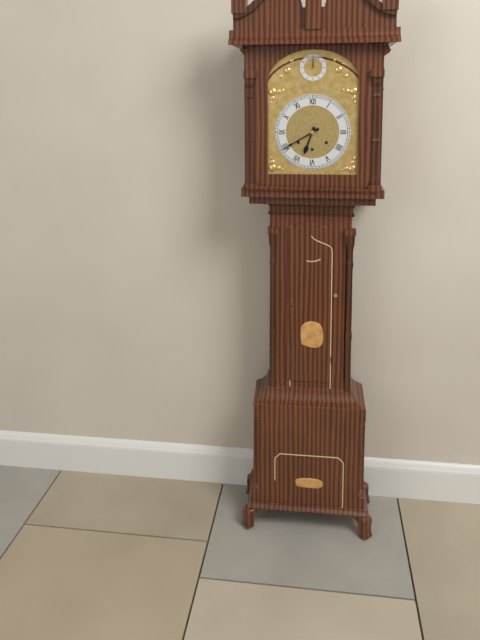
6.40
